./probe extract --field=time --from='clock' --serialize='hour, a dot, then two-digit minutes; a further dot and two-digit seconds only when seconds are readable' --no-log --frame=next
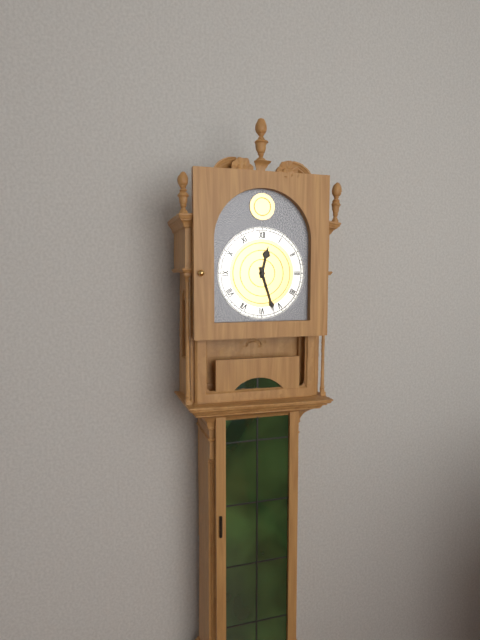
12.27
